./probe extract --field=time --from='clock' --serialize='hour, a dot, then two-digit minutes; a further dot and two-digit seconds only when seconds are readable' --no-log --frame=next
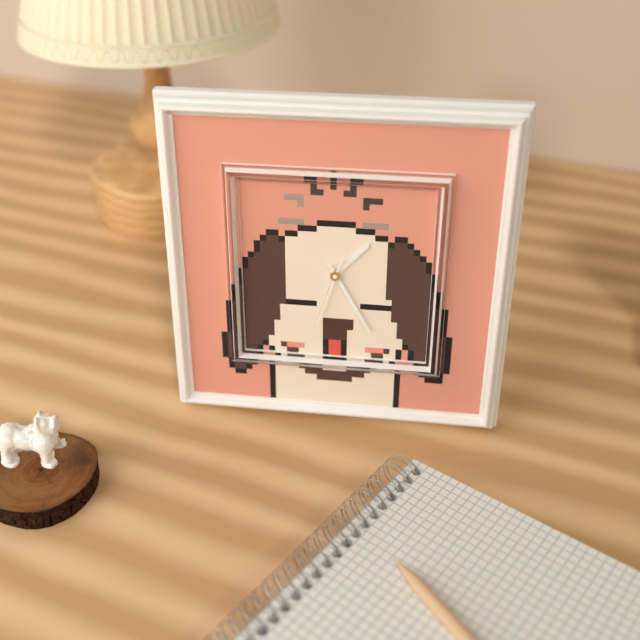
1.25.33
